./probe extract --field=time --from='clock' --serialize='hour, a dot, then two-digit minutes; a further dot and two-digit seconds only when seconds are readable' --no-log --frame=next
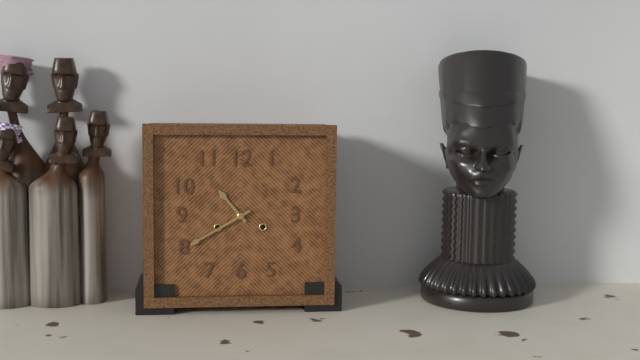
10.40
